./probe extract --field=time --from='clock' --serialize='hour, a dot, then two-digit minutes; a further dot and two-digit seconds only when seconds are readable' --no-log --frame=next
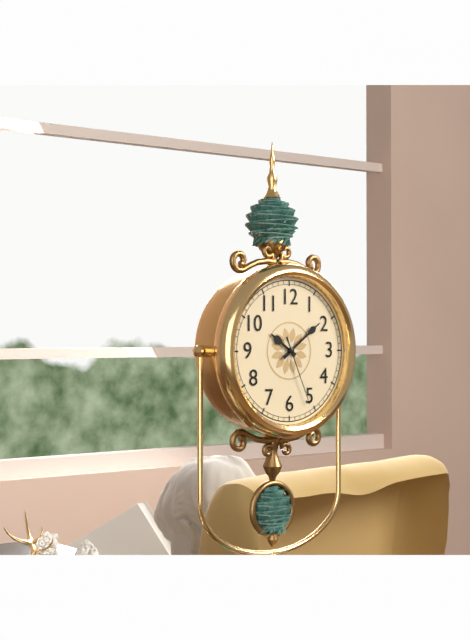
10.09.26
